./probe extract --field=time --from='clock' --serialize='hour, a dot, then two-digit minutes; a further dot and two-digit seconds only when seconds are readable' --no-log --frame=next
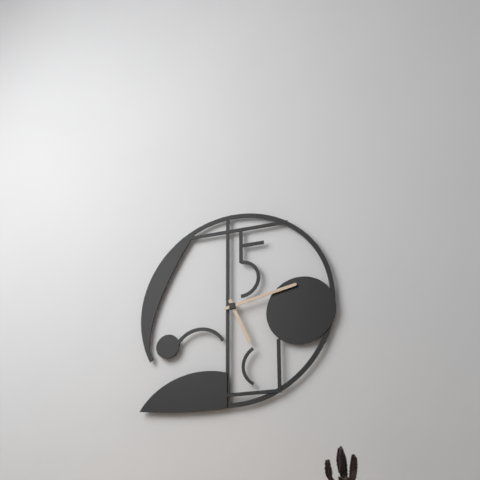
5.13
